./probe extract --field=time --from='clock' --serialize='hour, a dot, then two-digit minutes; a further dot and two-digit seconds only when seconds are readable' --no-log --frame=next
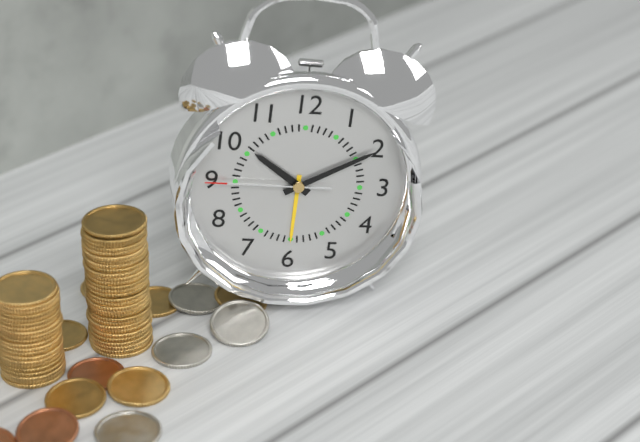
10.10.45
